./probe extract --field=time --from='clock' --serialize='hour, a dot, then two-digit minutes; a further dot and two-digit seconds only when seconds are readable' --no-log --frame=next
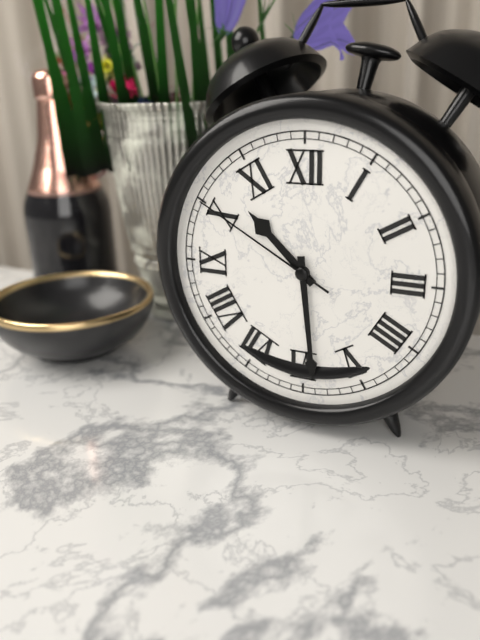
10.29.50
